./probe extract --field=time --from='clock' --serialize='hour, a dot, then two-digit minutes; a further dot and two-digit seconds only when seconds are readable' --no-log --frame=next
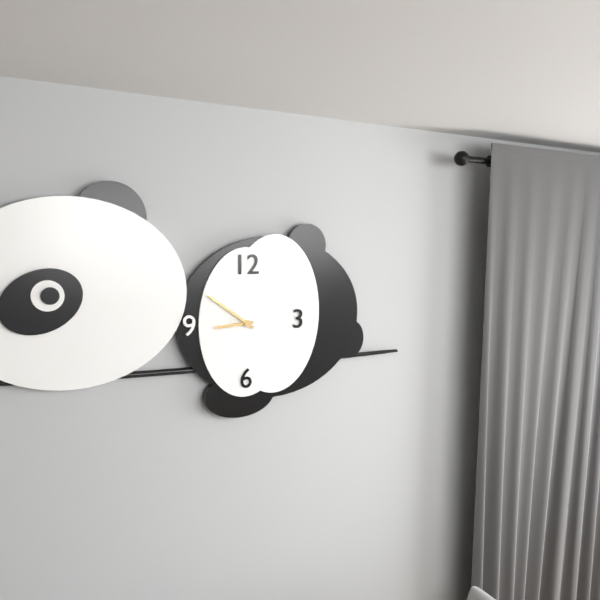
8.51
